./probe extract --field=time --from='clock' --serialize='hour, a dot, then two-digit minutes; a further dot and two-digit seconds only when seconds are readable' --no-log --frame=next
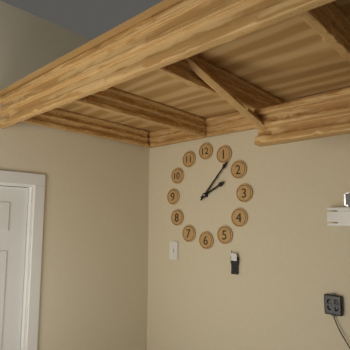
2.07
